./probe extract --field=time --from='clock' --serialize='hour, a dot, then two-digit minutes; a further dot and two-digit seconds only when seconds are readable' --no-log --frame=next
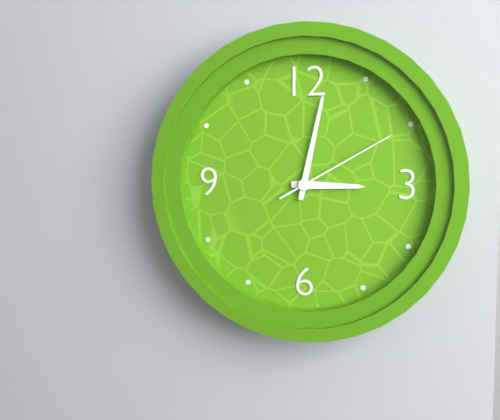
3.02.10
